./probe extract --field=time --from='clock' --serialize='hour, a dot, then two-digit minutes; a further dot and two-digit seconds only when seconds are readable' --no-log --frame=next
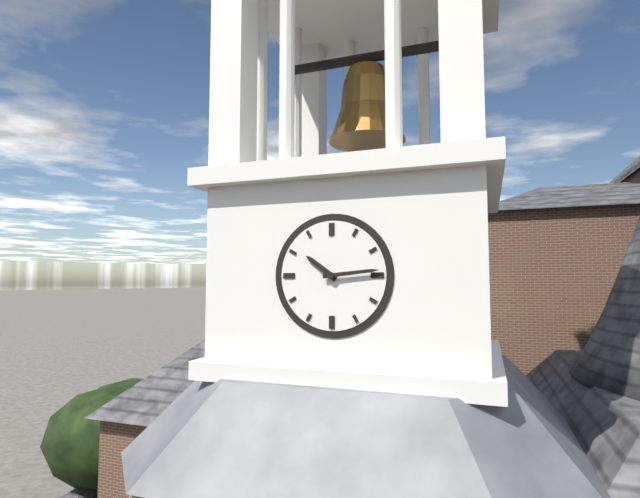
10.14
